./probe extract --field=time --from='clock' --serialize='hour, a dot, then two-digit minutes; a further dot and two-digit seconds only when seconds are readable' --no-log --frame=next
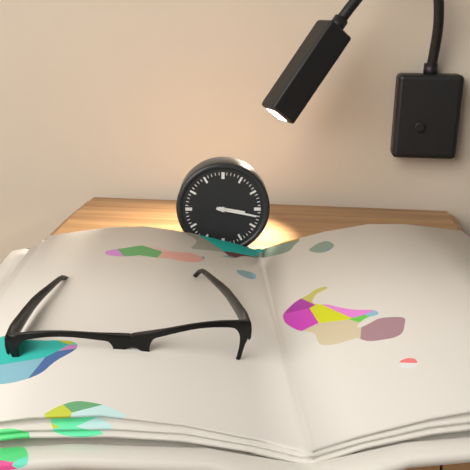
3.17
